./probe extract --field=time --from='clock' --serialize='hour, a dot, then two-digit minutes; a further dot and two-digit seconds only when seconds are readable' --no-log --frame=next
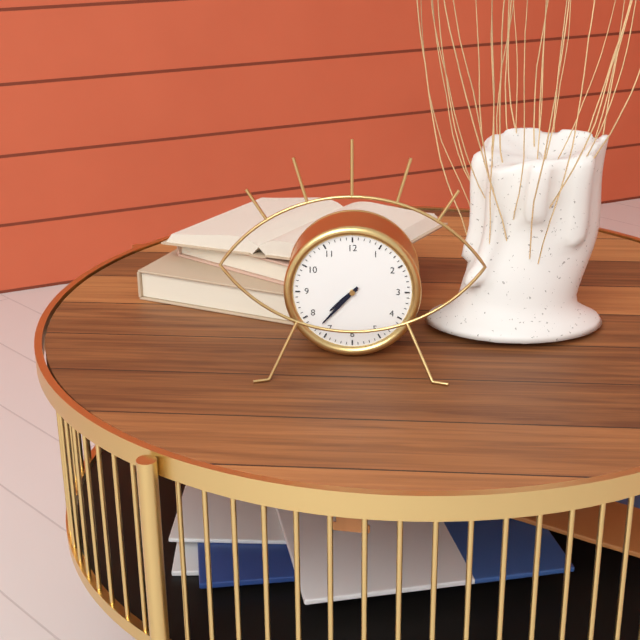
7.37
